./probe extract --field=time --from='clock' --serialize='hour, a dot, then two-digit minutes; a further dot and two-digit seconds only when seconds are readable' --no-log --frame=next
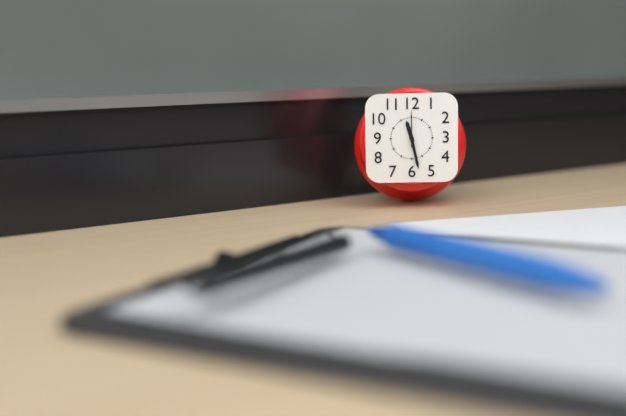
11.28
